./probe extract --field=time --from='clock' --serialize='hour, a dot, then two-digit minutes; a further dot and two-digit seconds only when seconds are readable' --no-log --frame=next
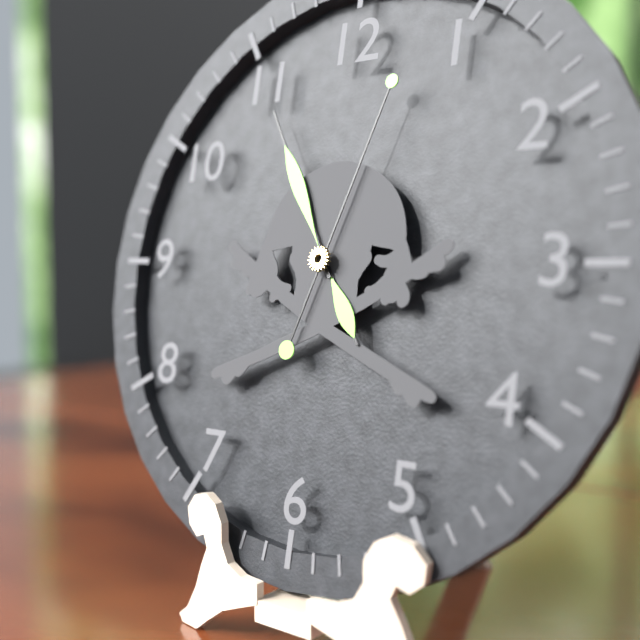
4.55.03
